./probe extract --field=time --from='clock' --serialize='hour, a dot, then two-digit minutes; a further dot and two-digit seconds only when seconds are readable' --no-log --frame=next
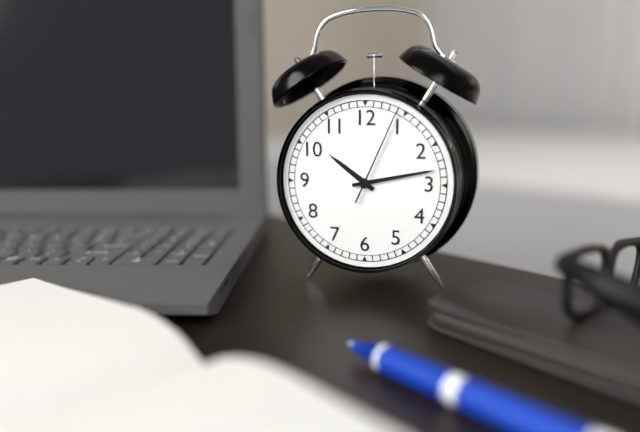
10.13.04
